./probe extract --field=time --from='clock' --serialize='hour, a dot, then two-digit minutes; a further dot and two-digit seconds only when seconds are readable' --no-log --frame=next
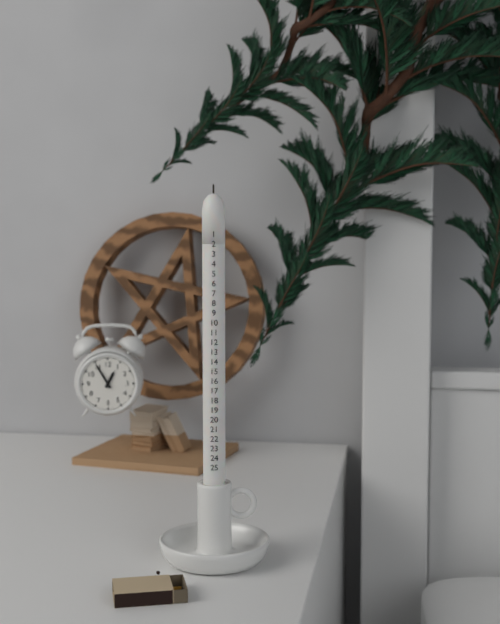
12.55
